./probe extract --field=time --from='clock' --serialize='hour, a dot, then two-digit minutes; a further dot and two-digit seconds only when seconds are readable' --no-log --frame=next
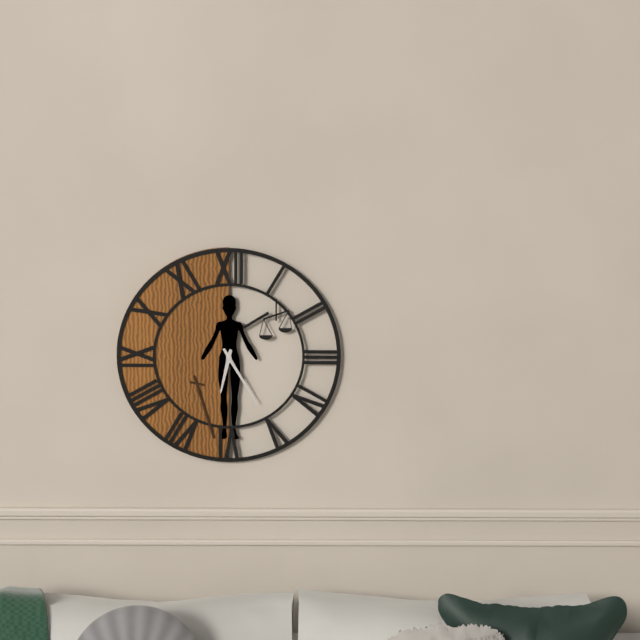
6.25
